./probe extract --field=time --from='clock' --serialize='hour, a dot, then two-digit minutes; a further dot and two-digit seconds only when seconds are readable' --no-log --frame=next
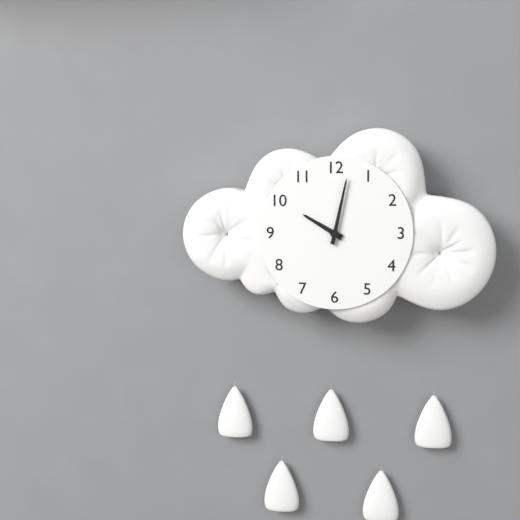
10.02
